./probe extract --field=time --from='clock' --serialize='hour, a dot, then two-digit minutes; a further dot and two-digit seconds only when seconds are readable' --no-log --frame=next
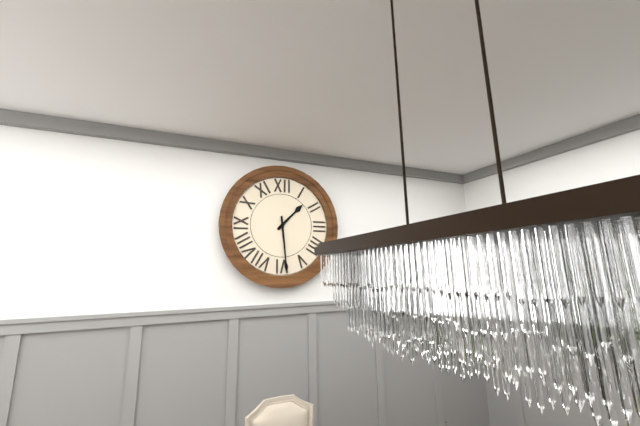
1.29
